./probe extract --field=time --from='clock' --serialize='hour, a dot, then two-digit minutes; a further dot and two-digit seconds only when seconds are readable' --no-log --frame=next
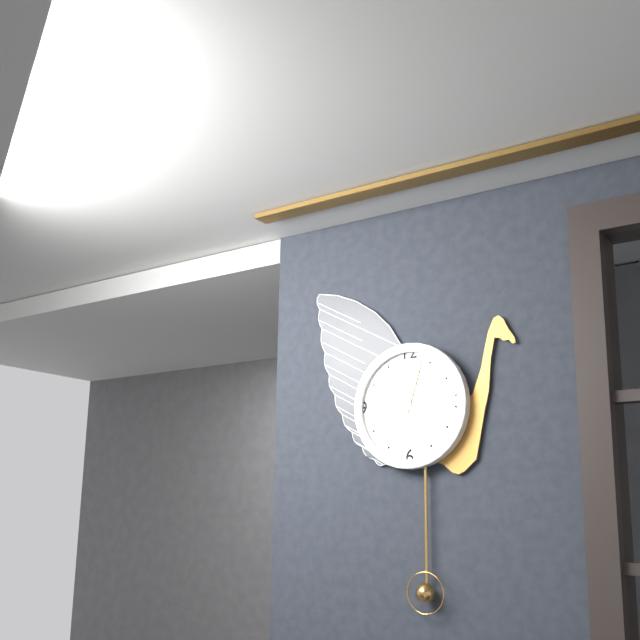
11.03
